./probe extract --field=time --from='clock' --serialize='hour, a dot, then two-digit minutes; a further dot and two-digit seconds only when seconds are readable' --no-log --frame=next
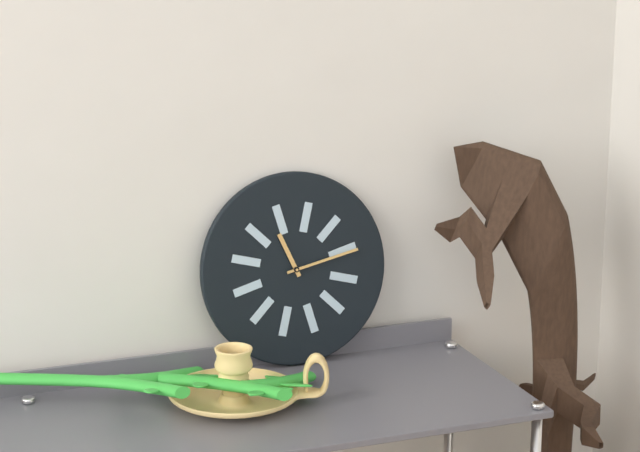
11.13
